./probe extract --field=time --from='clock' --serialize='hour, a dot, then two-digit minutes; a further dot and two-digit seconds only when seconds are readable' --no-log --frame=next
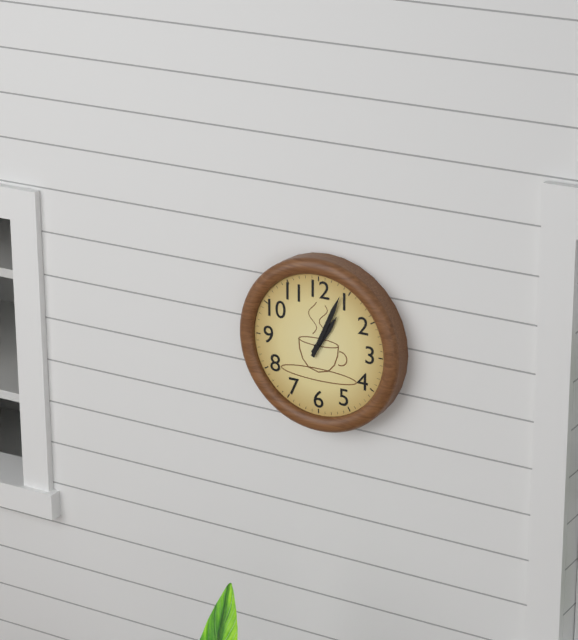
1.04
